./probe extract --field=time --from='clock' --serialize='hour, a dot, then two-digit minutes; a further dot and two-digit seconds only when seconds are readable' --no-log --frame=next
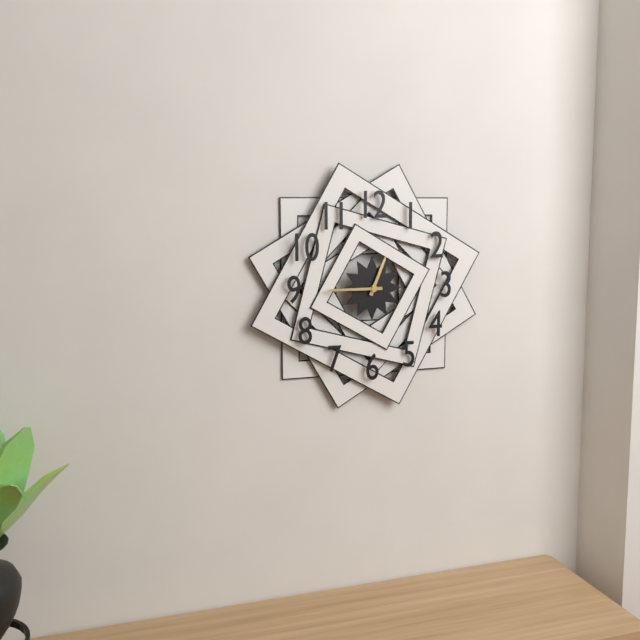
12.45
